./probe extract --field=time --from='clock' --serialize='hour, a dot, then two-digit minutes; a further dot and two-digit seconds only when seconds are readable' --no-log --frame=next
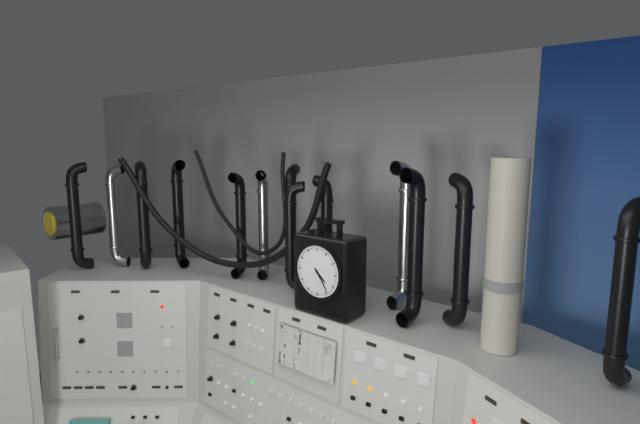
4.24
